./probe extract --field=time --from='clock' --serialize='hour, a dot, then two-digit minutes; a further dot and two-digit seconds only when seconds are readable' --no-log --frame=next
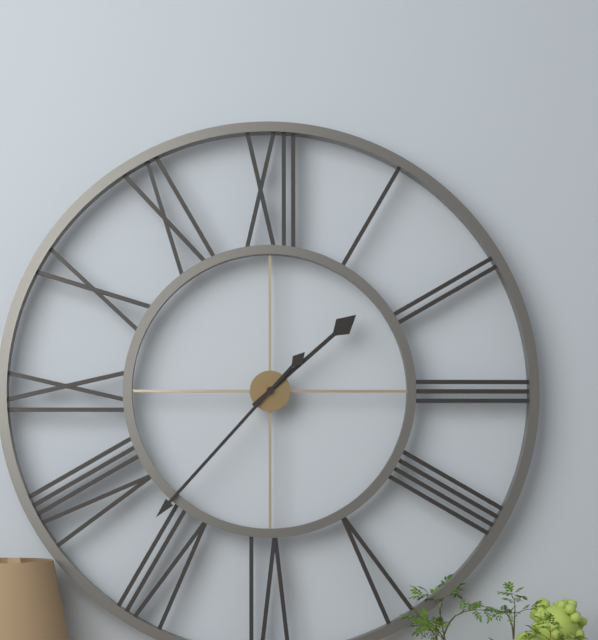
1.37
